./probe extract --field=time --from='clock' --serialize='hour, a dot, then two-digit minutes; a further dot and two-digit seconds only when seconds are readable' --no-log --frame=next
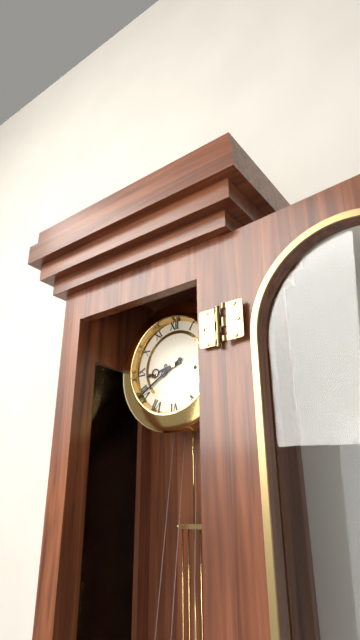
8.40
